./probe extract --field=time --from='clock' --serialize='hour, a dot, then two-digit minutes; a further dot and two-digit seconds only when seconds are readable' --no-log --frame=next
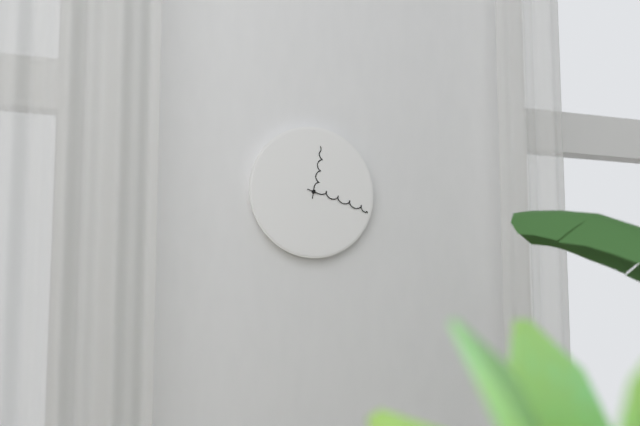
12.18
